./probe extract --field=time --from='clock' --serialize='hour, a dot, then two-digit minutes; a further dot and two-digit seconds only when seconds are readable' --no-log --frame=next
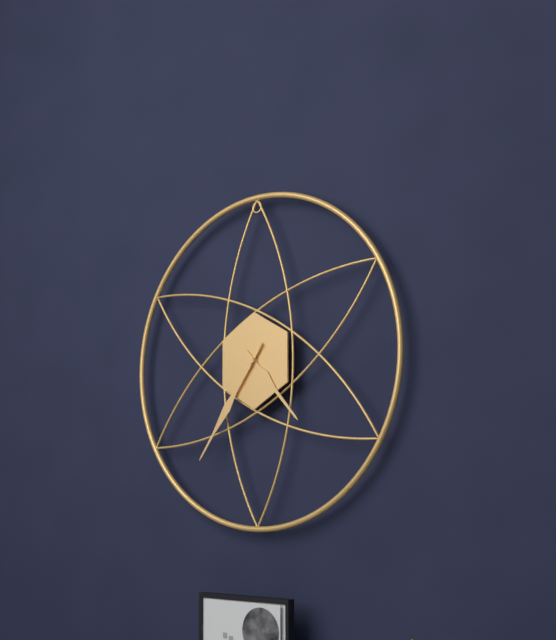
4.36
